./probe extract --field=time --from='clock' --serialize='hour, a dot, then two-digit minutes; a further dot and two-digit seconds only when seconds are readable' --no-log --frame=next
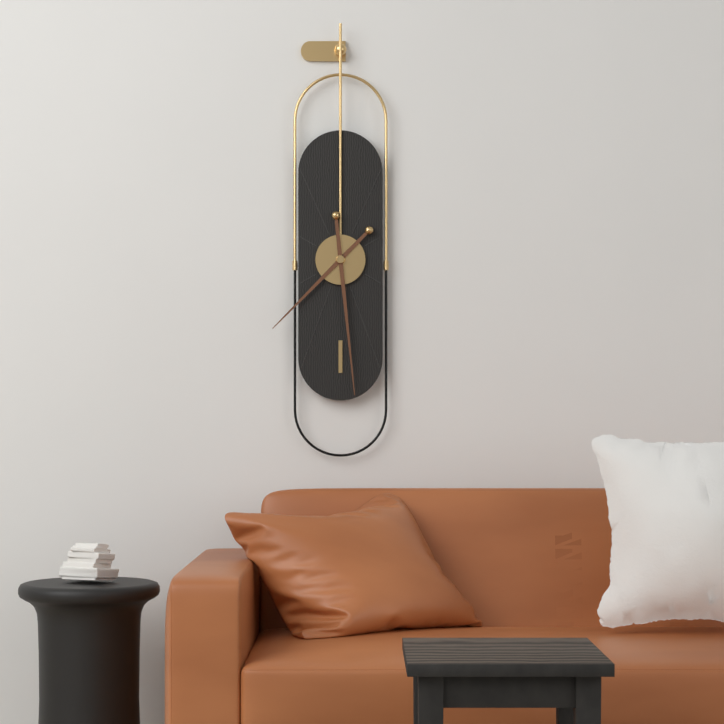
7.29
